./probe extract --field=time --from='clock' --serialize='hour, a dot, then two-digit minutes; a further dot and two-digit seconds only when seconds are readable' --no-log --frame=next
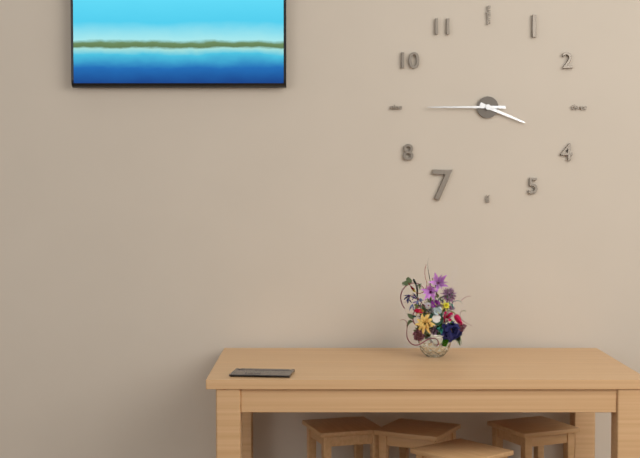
3.45
